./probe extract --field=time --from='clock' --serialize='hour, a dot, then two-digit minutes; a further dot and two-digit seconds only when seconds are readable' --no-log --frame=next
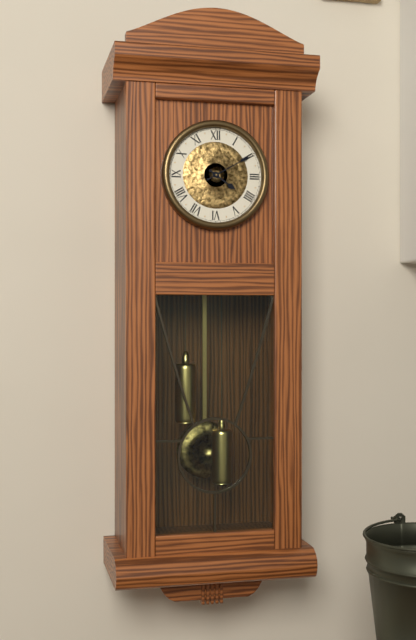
4.10
